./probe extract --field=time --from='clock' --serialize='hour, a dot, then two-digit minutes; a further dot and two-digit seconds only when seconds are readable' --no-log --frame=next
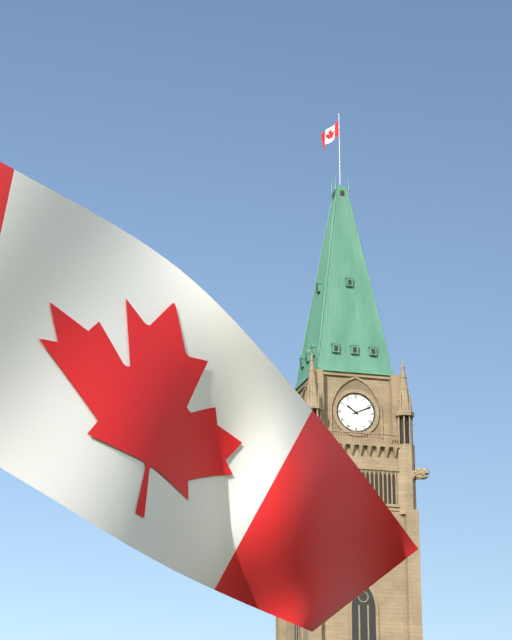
10.11
